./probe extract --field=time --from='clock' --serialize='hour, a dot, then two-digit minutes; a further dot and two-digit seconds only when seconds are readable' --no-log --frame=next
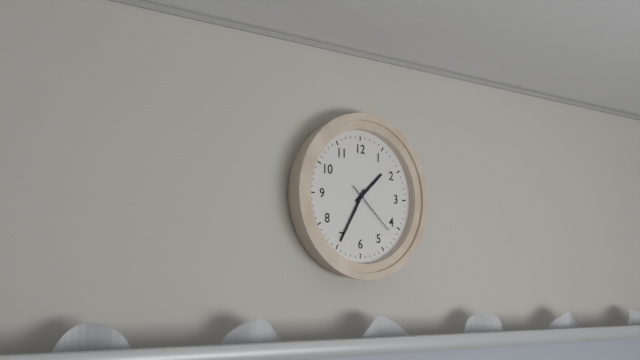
1.35.22
